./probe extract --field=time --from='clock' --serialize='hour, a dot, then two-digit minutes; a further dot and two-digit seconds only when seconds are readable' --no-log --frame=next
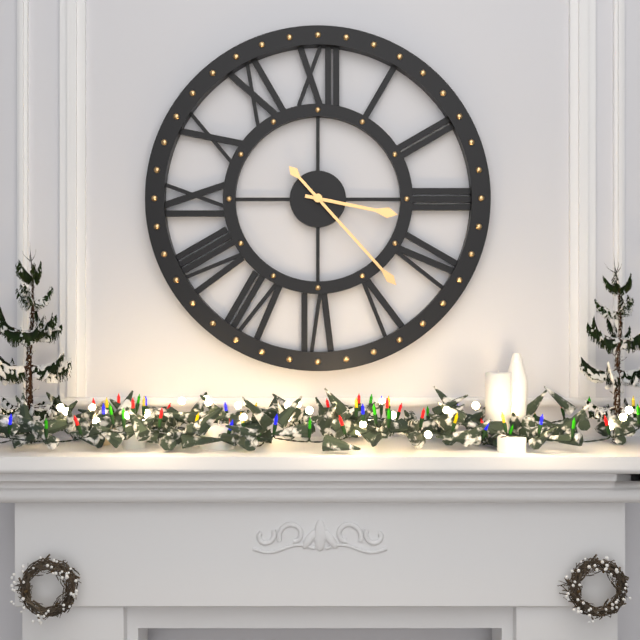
3.23
